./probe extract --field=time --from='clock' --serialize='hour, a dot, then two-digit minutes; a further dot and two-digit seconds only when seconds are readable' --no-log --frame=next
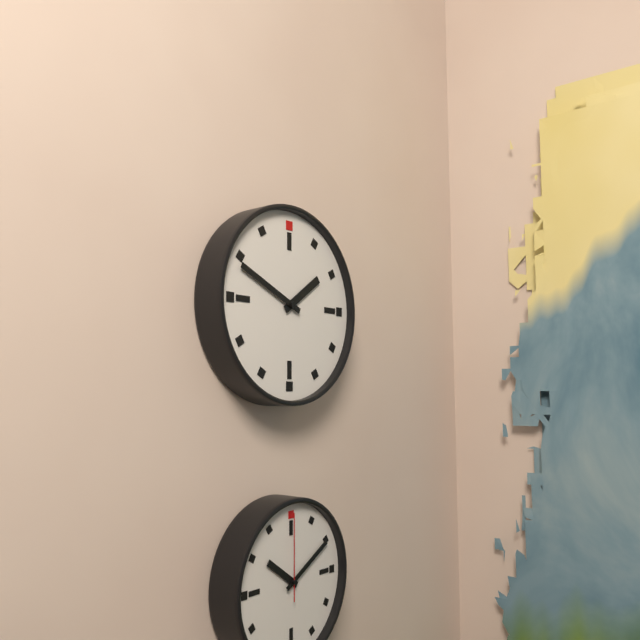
1.49
